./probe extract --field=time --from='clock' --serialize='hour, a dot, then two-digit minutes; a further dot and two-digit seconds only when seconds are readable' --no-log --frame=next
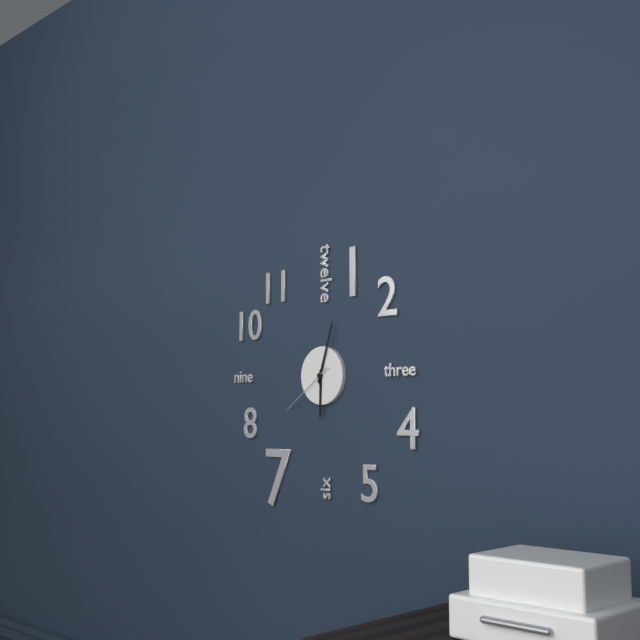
6.03.39
